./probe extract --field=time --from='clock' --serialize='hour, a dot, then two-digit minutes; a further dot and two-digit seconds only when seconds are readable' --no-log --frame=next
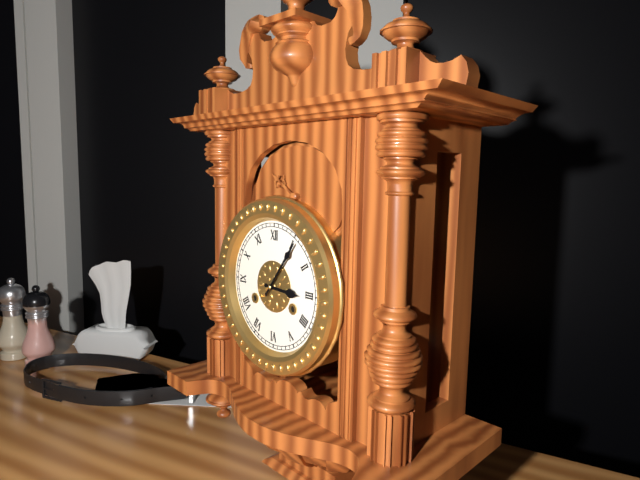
3.06
